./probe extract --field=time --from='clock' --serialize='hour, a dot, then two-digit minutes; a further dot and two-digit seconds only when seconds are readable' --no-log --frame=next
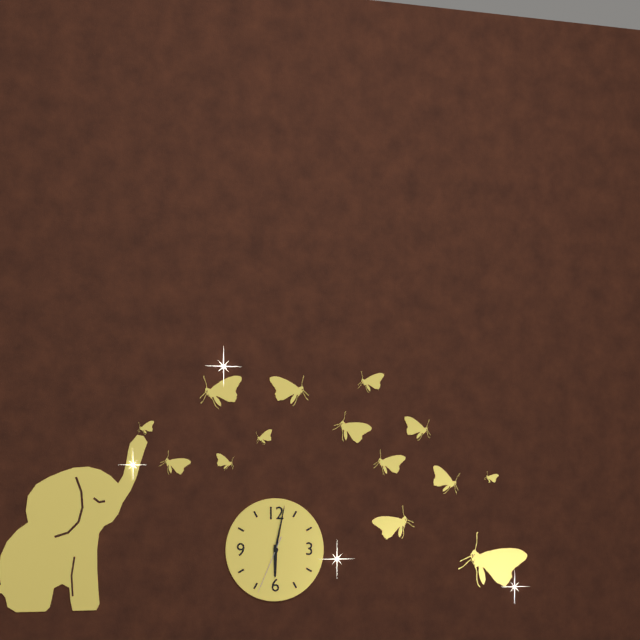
6.02.34
